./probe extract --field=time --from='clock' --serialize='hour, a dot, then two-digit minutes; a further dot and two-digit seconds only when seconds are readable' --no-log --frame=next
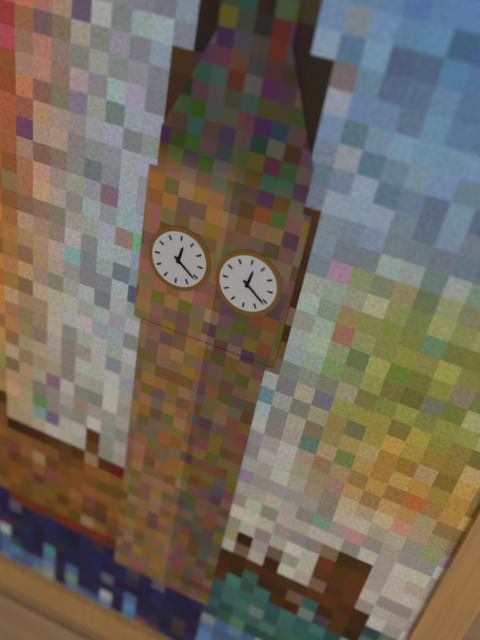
12.21
